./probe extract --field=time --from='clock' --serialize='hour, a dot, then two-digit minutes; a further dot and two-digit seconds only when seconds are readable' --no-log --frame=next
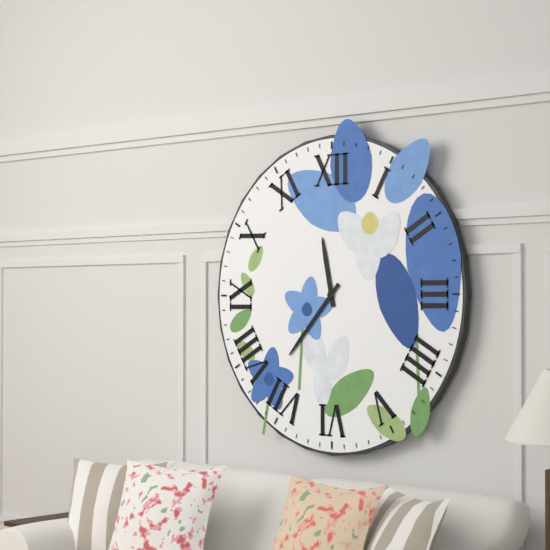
11.37
